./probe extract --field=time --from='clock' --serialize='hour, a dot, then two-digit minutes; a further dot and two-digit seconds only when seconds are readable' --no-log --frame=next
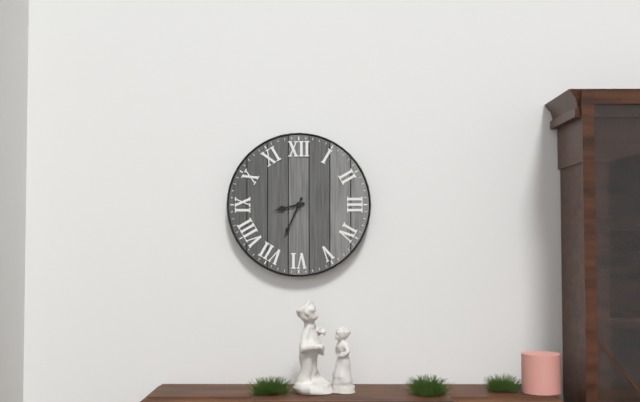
8.34
